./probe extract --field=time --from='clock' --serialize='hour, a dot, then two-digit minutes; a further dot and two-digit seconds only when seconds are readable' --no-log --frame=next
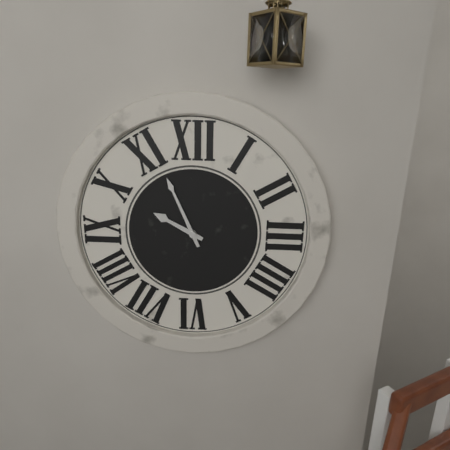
9.56
